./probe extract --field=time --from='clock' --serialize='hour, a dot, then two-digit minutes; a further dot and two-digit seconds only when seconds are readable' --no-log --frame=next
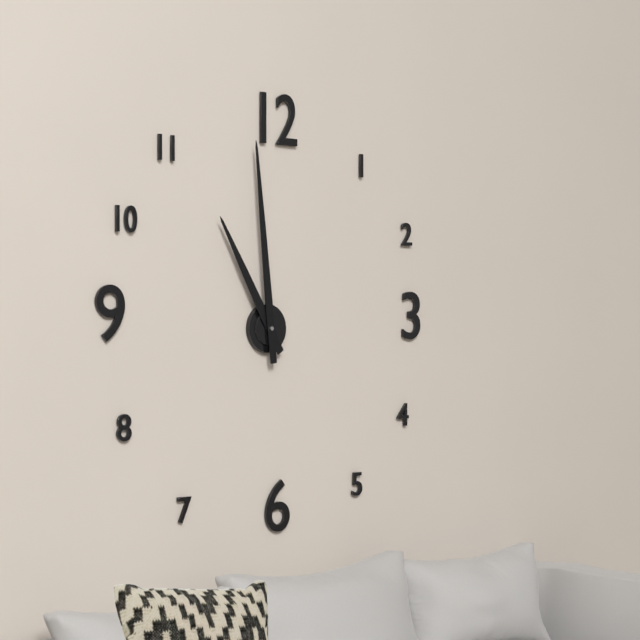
10.59
